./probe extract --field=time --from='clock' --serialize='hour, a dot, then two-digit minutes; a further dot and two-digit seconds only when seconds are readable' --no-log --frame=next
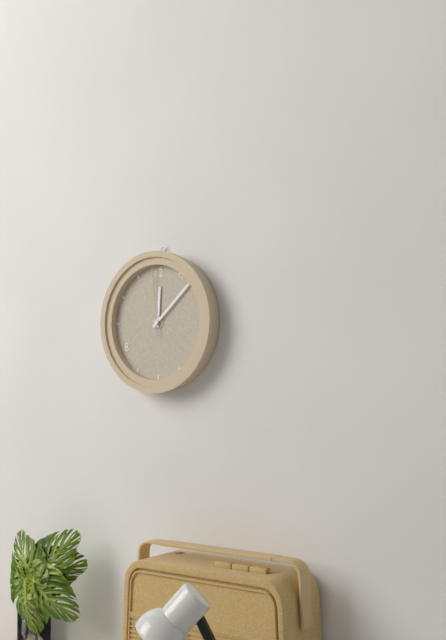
12.08.59
